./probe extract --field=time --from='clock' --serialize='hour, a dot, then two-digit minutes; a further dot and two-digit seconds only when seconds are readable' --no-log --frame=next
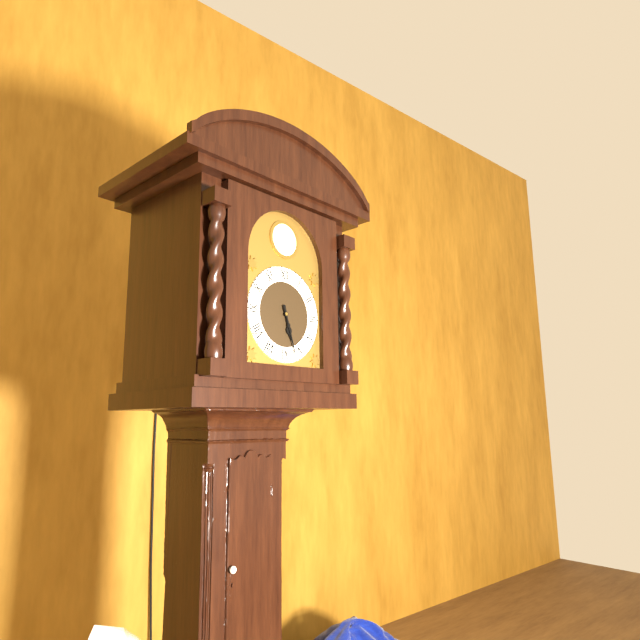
5.27
